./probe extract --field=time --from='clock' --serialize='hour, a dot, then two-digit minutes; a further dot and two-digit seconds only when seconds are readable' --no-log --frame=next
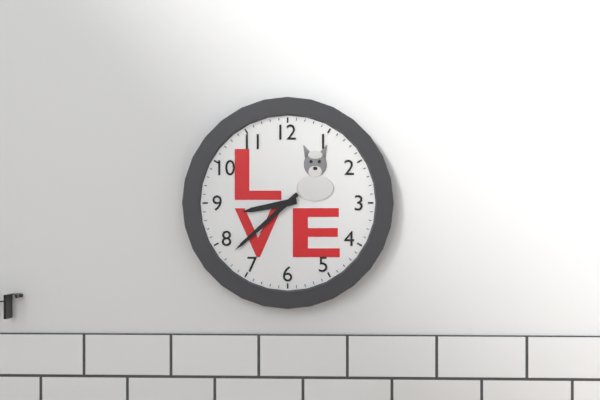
8.38
